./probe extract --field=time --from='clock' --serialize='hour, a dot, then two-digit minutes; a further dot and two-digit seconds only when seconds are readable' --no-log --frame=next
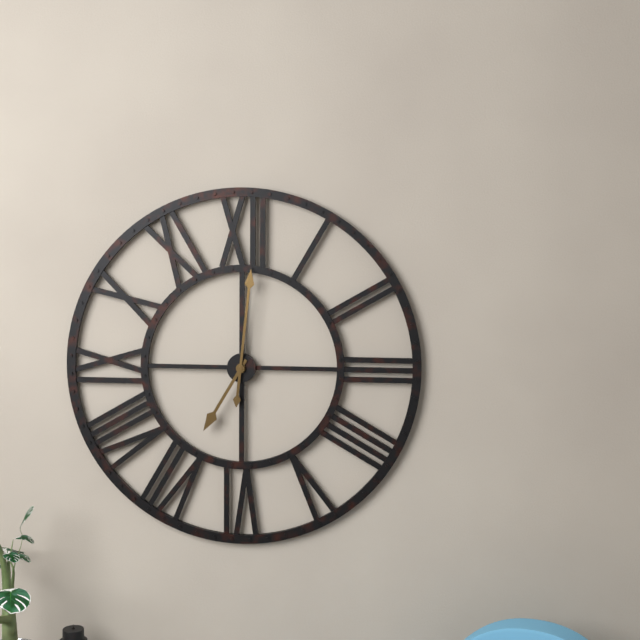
7.01
